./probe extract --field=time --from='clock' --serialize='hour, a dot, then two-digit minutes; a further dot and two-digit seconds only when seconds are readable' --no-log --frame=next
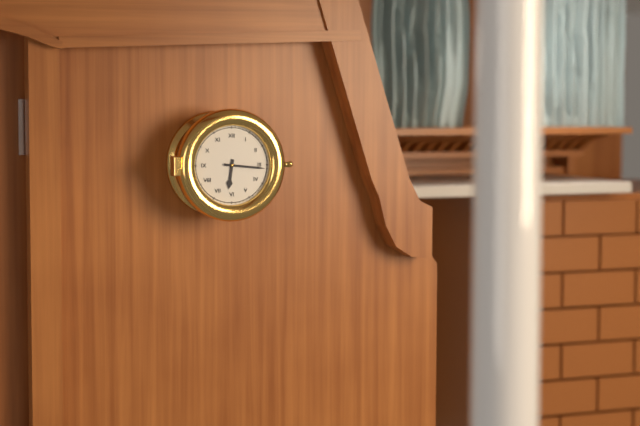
6.16
